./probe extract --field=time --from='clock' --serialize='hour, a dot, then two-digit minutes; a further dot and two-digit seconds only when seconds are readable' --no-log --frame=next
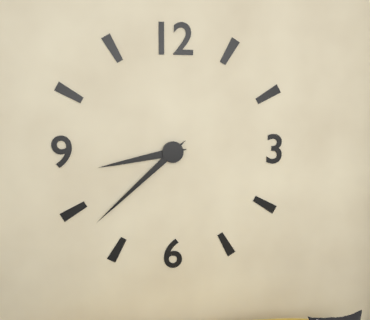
8.38
